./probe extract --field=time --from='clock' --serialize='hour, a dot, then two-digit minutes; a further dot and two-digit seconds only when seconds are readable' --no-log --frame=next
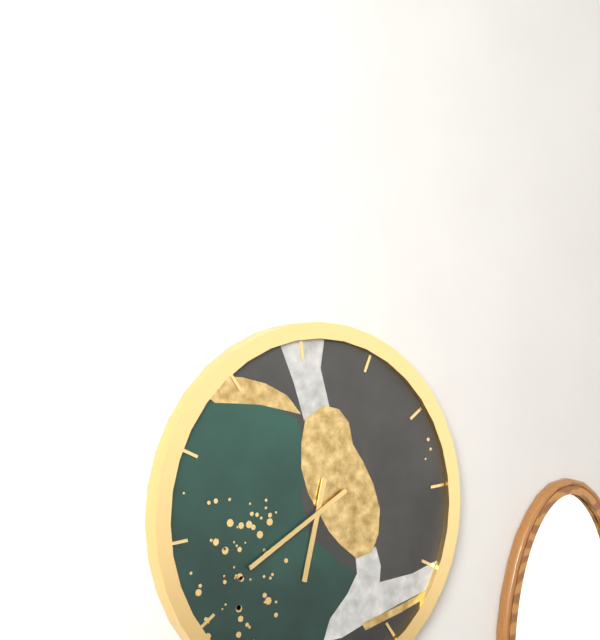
6.41
